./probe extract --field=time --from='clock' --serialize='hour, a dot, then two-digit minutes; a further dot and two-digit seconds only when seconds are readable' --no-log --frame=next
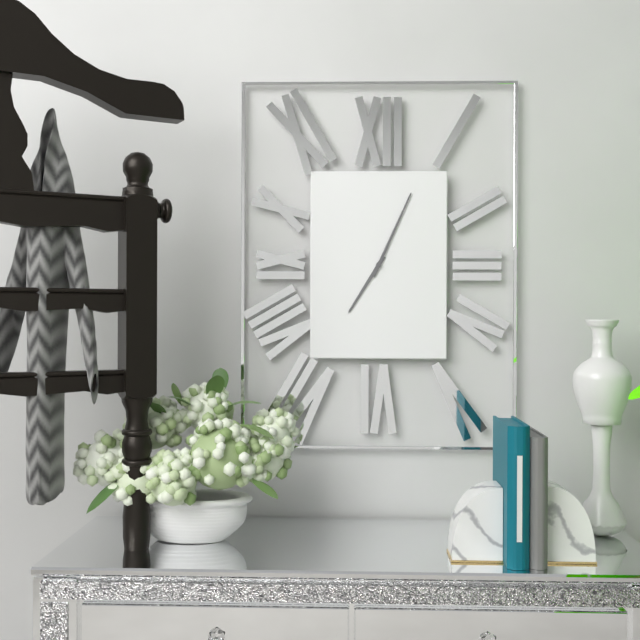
7.04
